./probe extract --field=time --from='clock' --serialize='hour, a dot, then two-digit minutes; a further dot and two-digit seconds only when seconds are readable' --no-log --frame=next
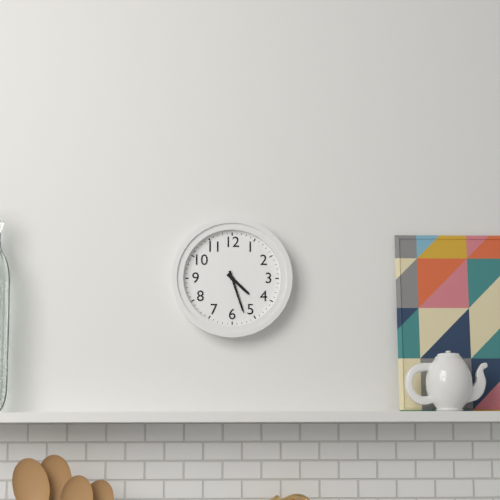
4.27
